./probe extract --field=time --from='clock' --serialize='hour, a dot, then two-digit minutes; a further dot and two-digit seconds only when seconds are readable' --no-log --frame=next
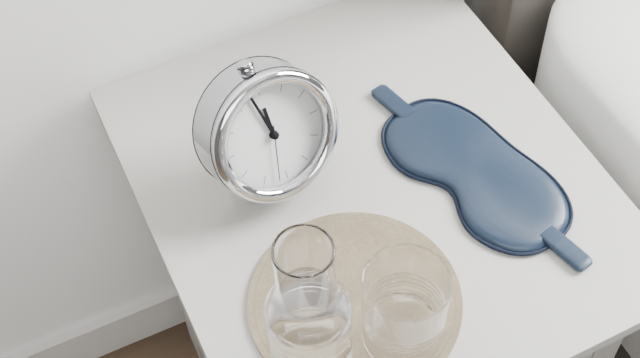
11.58.32
